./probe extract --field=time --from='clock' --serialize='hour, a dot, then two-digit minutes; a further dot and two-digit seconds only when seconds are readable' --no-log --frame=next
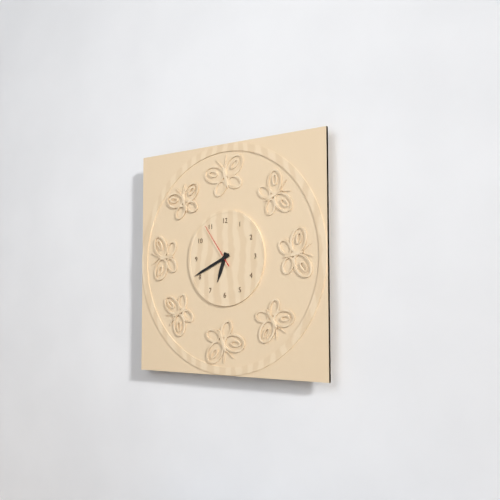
6.41
